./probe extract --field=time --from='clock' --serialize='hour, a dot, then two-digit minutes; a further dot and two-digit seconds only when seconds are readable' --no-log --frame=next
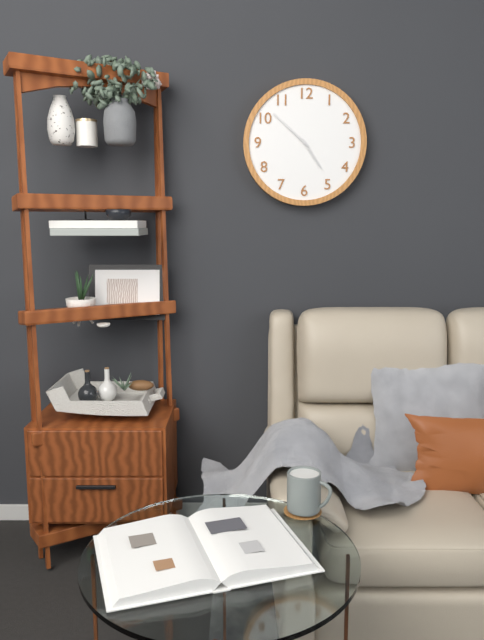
4.52
